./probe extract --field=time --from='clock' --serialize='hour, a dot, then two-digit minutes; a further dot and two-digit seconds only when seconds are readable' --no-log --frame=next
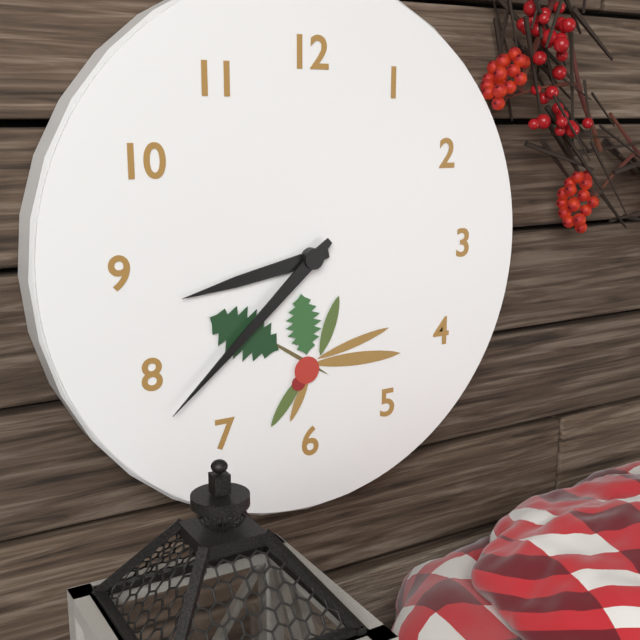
8.38
